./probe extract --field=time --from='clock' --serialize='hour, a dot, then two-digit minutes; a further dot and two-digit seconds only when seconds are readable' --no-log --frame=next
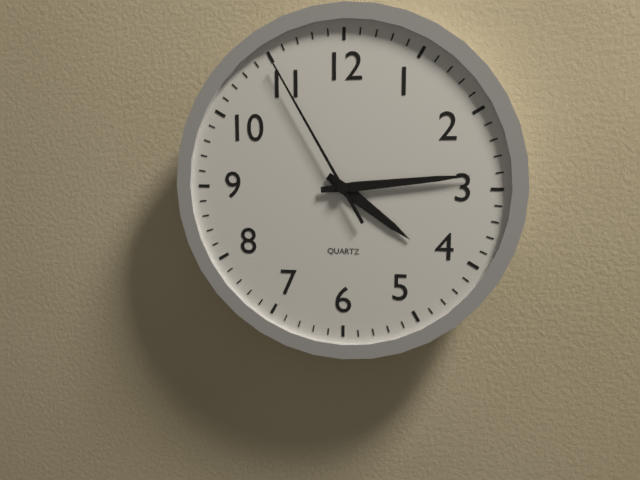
4.14.55
